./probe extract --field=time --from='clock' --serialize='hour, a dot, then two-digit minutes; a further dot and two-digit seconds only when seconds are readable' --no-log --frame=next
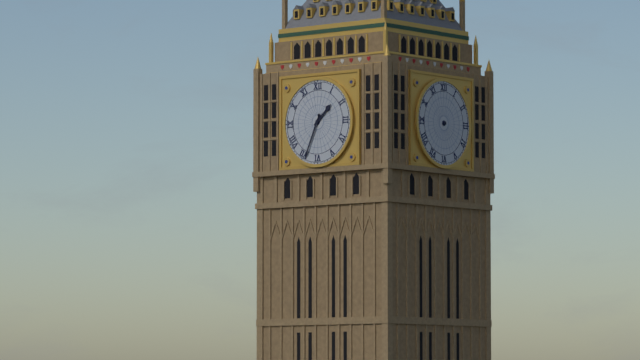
1.34
